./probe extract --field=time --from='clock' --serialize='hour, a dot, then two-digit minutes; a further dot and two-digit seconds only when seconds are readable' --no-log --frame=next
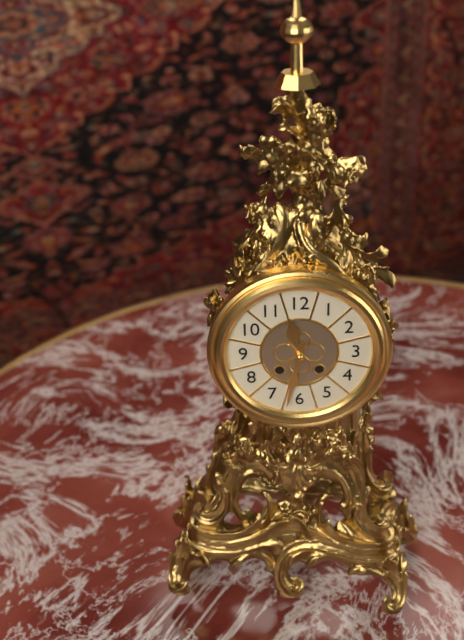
11.32
